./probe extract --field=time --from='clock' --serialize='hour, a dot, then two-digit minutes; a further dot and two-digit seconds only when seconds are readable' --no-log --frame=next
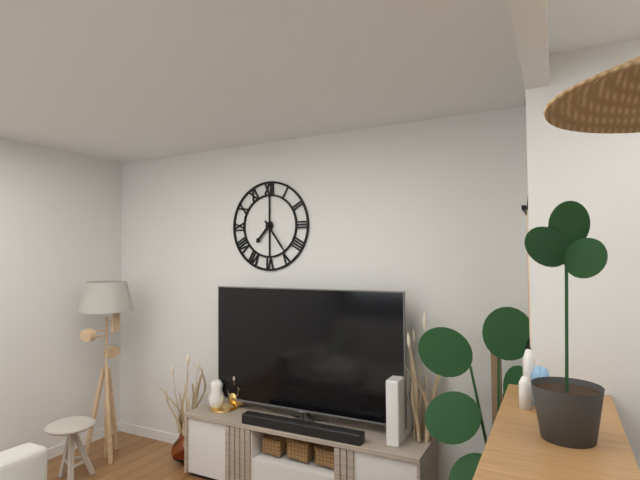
7.24
